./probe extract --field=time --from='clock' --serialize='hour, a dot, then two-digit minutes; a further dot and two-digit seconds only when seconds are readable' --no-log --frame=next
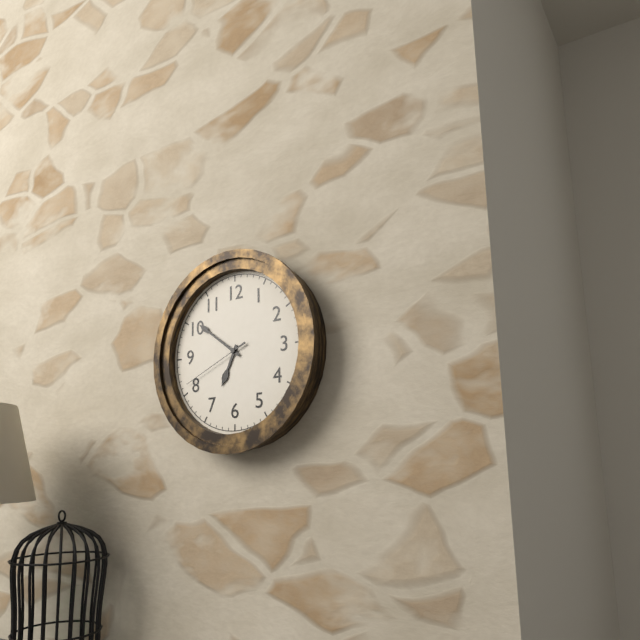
6.51.41
